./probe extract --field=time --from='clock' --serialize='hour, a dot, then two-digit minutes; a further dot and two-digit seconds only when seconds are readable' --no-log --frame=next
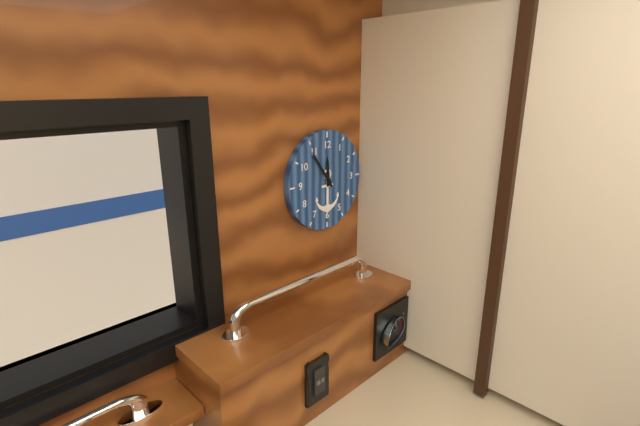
11.54
